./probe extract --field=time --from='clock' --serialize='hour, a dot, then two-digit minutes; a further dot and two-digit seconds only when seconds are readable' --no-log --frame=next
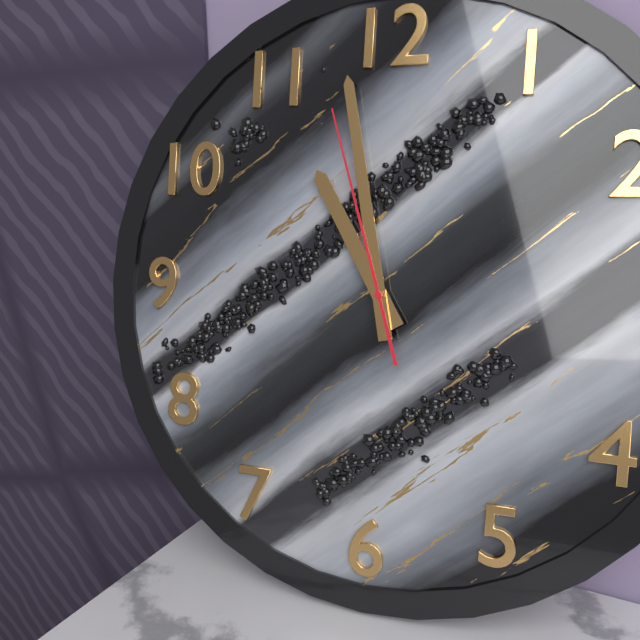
10.58.57
